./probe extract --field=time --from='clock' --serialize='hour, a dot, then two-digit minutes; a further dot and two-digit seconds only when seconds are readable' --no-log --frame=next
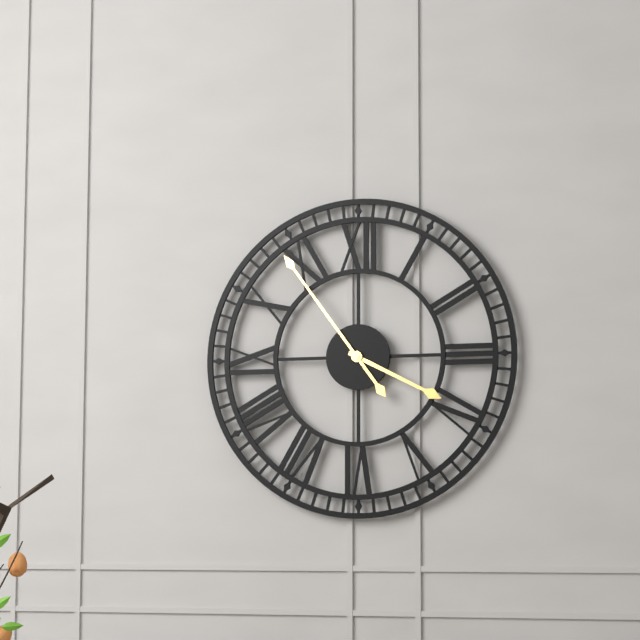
3.54
